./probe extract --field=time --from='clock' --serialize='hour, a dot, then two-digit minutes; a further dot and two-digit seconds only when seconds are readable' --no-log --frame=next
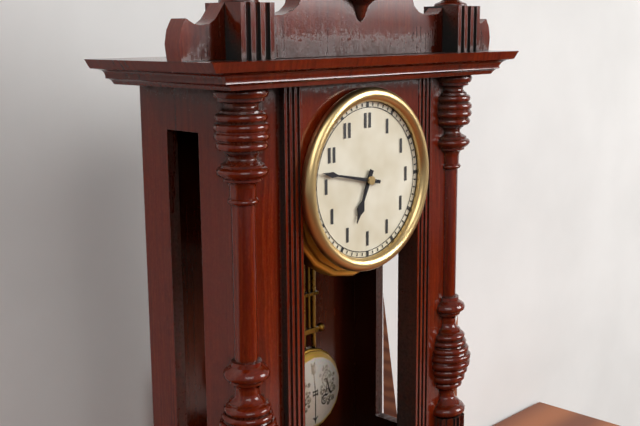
6.47
